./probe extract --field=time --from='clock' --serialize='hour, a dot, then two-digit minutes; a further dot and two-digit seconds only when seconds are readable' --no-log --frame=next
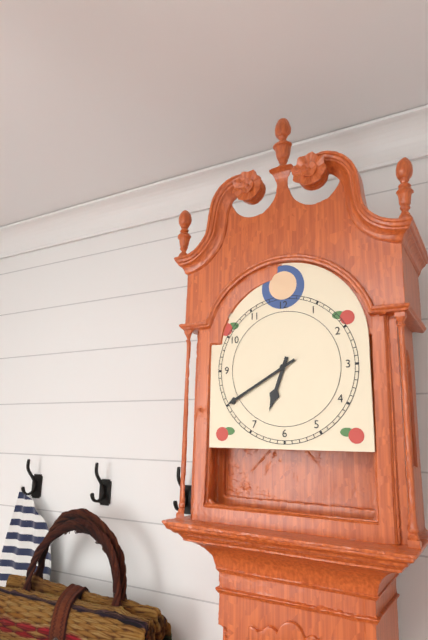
6.40
